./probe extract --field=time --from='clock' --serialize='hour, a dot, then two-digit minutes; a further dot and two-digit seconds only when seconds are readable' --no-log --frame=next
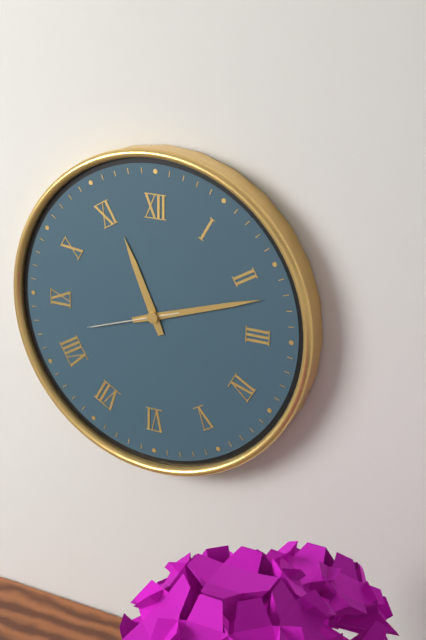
11.12.42
